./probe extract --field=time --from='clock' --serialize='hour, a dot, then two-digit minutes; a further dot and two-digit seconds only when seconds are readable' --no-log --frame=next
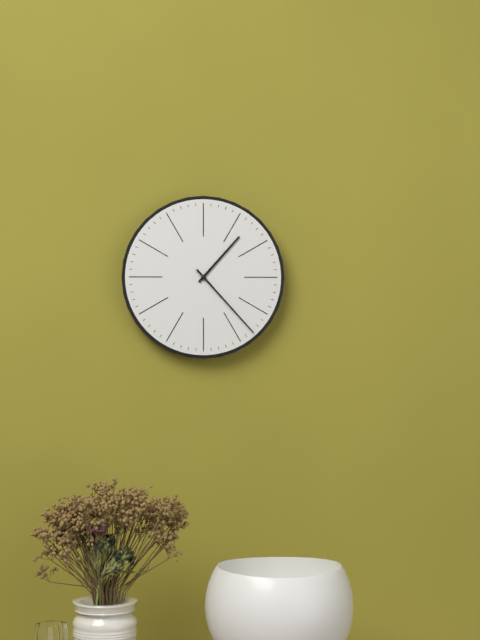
1.23
